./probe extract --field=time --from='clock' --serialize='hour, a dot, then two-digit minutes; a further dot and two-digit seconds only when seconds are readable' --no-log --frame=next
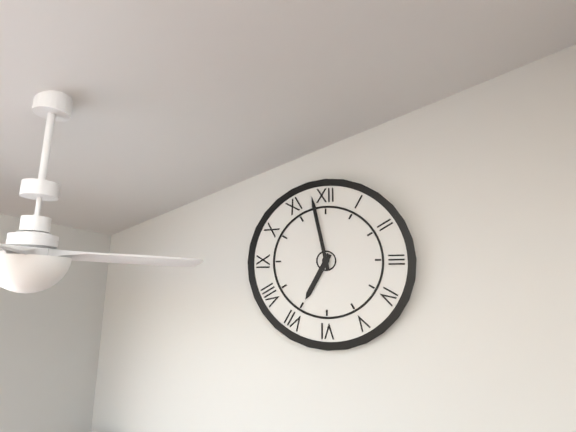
6.58
